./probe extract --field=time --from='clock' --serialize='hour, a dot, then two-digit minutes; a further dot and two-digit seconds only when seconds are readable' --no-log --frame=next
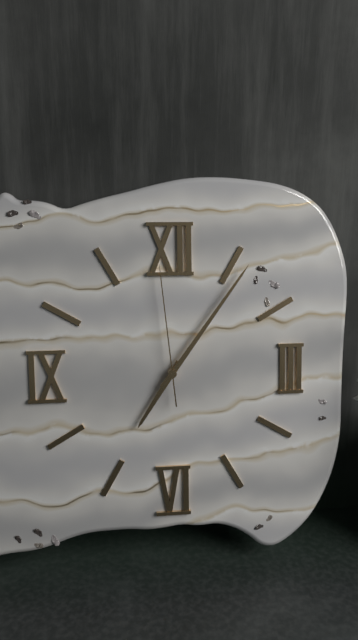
7.06.59
